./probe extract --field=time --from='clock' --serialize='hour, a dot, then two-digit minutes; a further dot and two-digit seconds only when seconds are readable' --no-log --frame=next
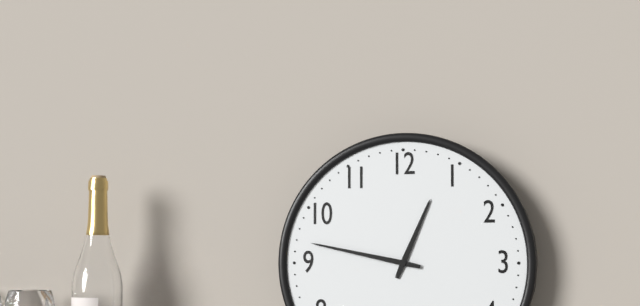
12.47
